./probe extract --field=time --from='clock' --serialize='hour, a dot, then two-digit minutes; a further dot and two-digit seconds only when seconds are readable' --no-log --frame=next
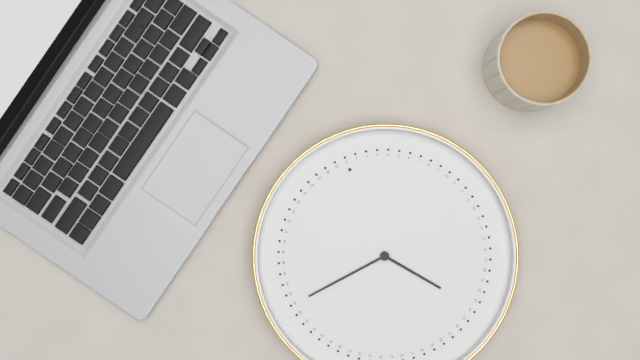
4.44
